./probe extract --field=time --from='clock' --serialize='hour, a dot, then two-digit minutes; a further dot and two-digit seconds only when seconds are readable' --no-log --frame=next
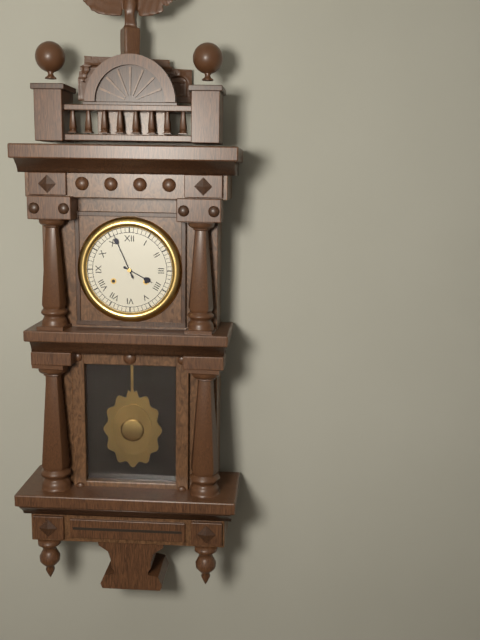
3.56
